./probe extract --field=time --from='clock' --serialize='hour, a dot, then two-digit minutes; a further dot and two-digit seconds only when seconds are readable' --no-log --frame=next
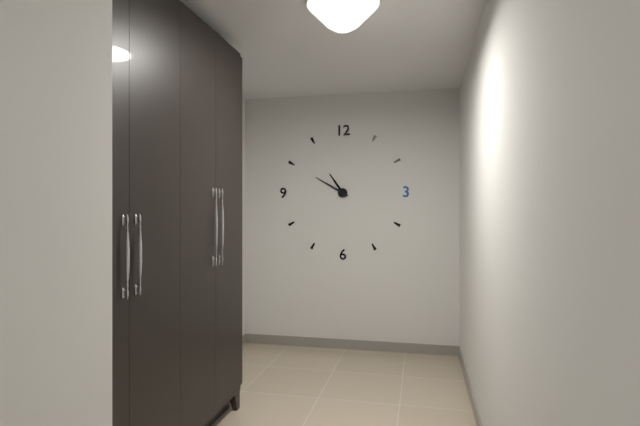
10.50
